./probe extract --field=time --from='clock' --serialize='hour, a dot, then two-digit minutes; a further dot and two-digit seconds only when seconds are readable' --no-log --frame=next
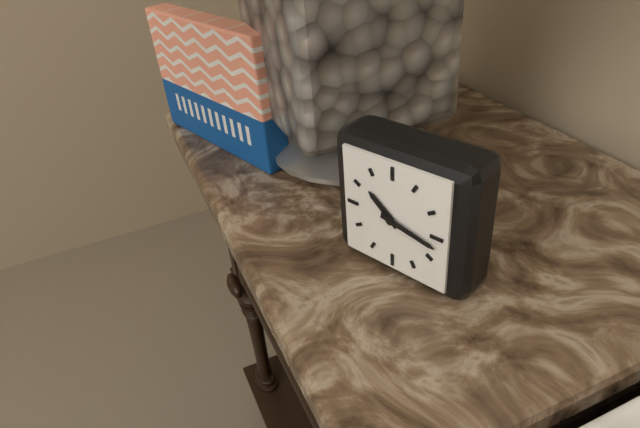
10.17
